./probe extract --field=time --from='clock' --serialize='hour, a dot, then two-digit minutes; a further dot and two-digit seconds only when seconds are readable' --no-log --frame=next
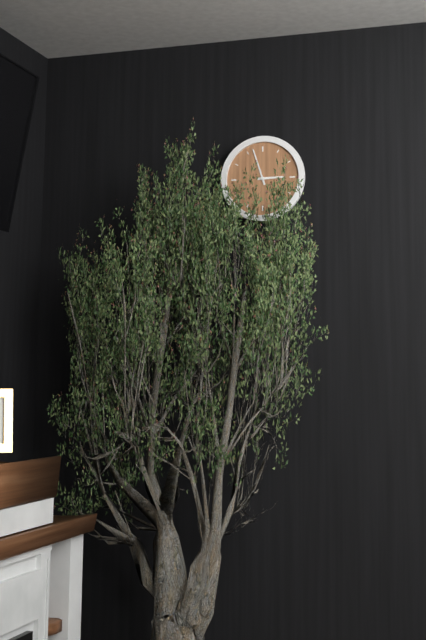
2.57
